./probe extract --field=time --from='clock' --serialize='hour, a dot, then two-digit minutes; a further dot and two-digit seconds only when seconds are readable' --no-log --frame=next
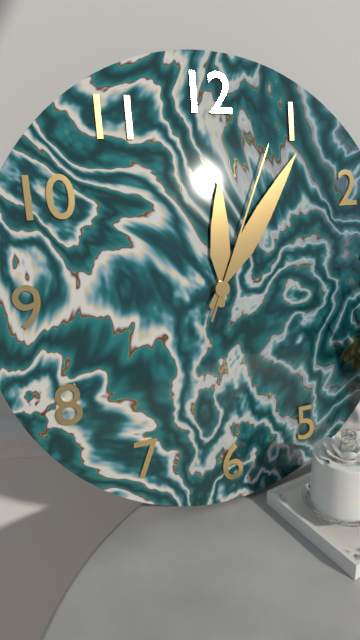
12.06.04
